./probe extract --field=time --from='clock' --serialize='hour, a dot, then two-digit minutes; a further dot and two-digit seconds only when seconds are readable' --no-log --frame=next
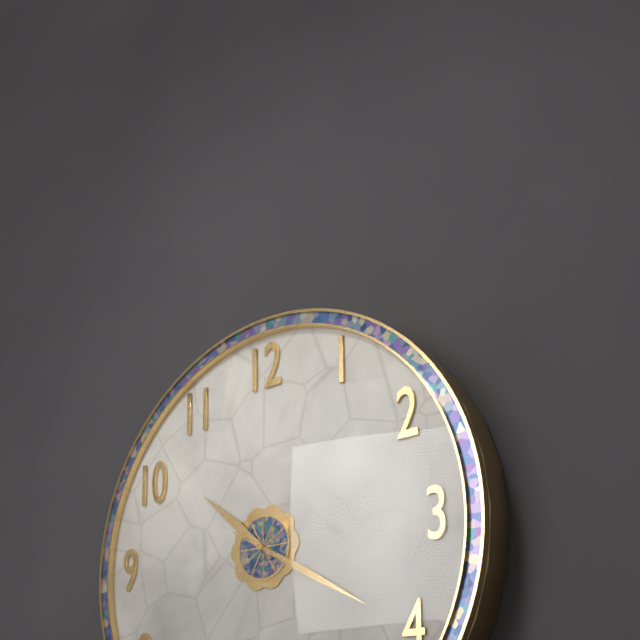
10.20.20
